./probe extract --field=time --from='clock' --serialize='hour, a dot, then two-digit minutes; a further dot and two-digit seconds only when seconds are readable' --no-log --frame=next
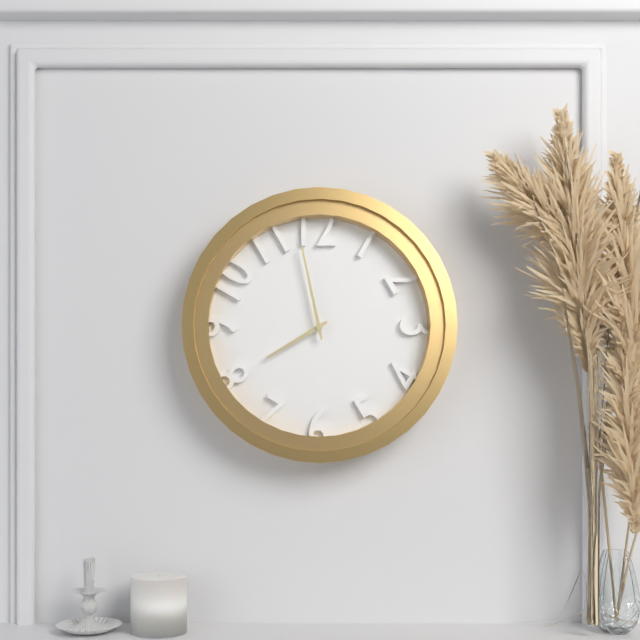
7.58
